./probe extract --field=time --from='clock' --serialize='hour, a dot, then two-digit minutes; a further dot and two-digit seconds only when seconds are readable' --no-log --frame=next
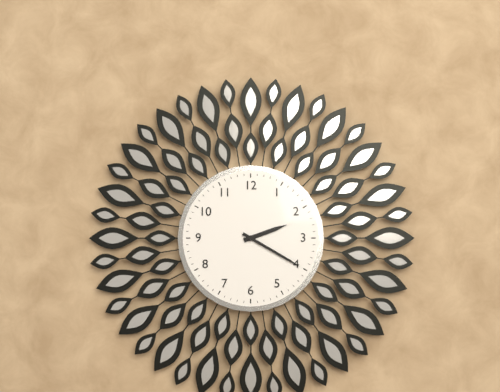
2.20
